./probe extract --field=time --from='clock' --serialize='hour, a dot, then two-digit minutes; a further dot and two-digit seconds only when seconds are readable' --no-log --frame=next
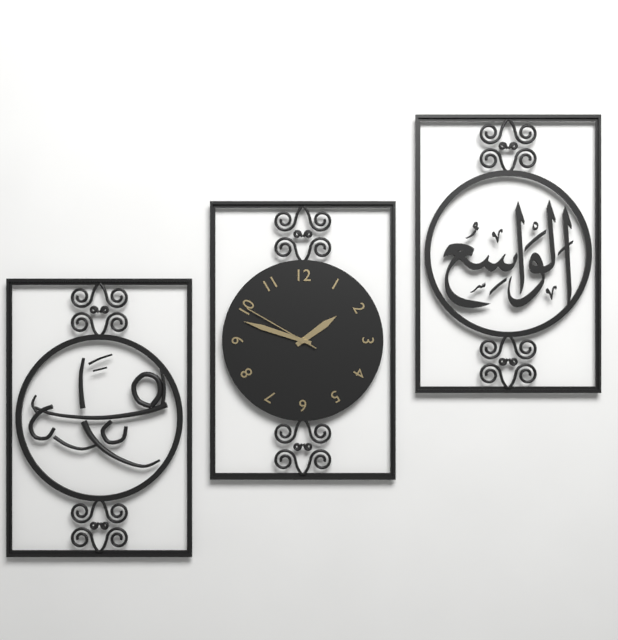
1.48.50
